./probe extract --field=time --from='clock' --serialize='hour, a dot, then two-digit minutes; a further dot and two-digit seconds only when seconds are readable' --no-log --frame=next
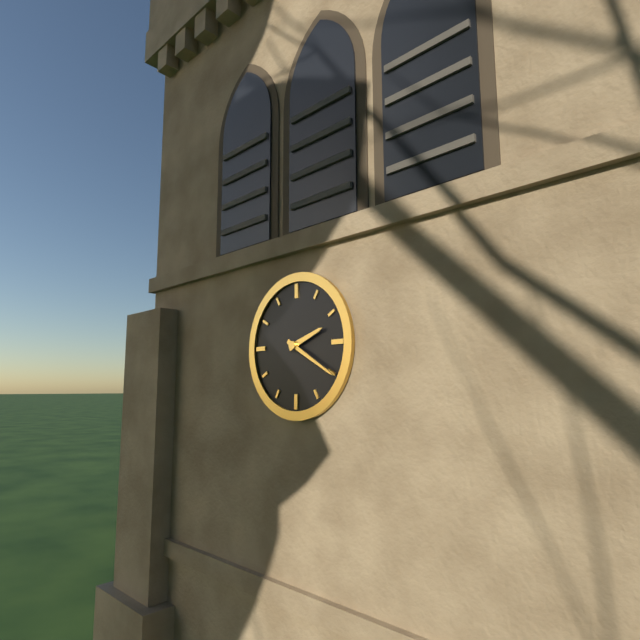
2.20
